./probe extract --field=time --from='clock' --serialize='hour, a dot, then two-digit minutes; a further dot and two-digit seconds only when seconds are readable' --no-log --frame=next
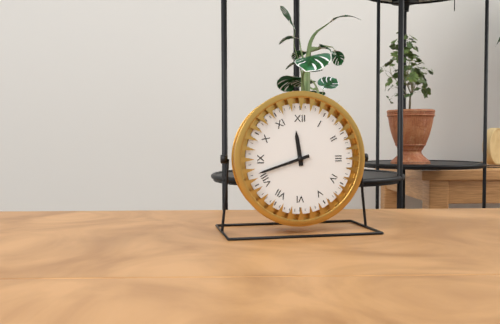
11.42
